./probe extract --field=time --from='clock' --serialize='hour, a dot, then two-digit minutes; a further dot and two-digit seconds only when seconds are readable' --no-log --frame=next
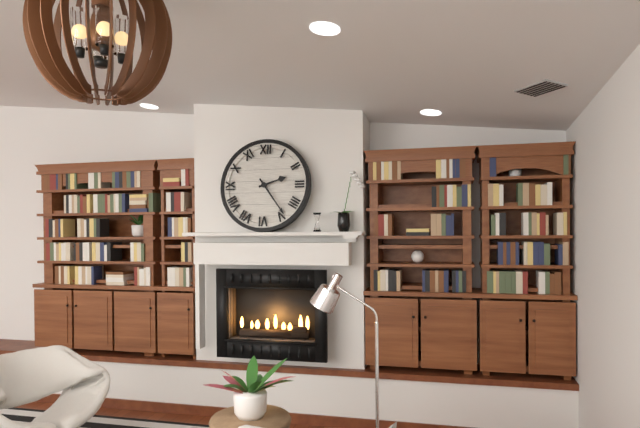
2.24
